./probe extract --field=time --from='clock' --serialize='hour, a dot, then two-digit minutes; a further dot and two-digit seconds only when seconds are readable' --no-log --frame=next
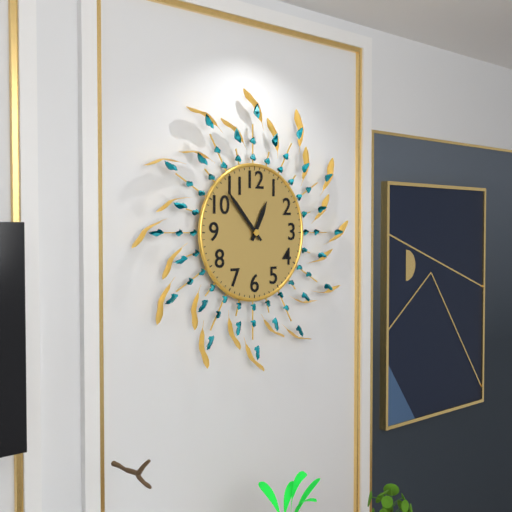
12.53
